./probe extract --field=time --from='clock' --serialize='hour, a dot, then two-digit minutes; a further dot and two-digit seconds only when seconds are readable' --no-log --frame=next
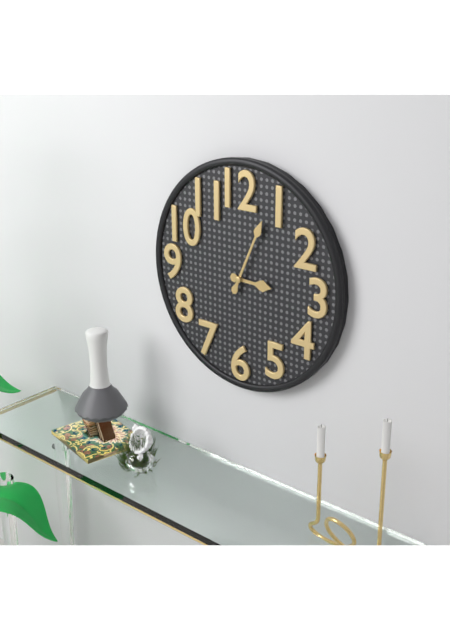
3.04
